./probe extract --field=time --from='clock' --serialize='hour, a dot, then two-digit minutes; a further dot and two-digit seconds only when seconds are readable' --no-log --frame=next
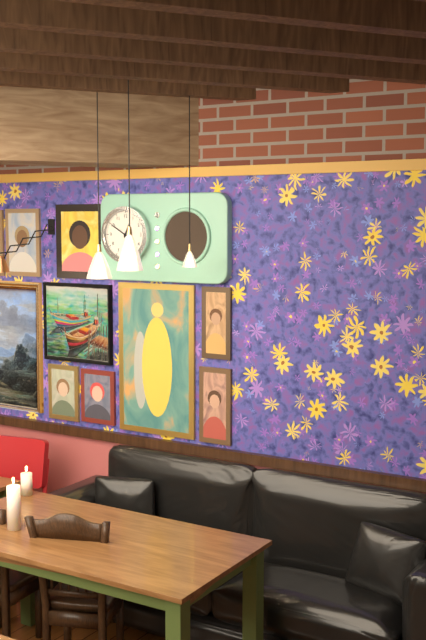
12.50
